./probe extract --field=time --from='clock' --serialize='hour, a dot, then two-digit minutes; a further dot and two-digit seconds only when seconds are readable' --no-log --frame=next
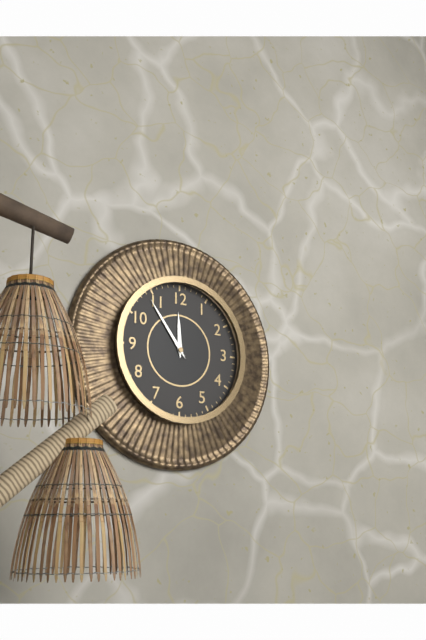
11.54
